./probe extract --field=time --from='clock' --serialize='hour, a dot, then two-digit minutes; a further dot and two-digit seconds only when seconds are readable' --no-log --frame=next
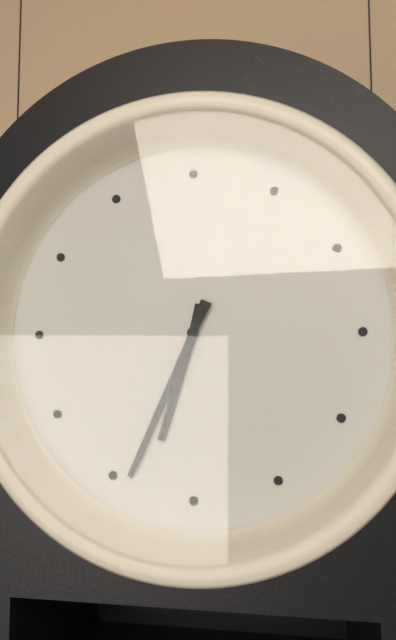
6.34
